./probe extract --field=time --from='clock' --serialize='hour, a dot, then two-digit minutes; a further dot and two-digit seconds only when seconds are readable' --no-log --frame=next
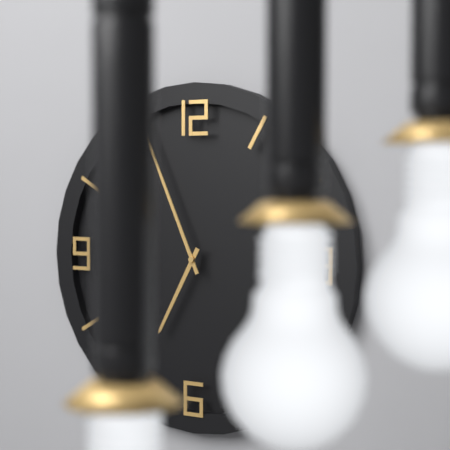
6.56
